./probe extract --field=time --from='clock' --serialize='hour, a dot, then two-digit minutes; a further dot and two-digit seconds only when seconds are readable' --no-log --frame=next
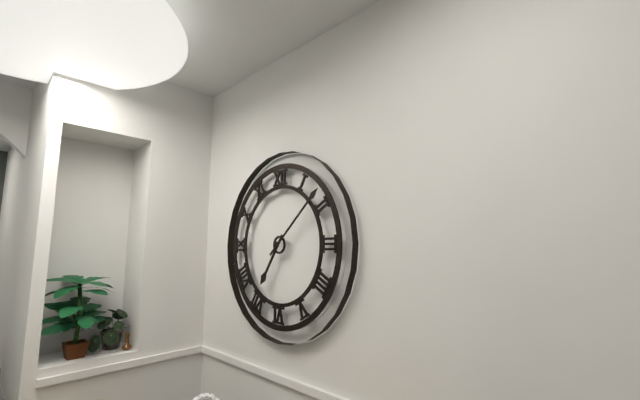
7.08
